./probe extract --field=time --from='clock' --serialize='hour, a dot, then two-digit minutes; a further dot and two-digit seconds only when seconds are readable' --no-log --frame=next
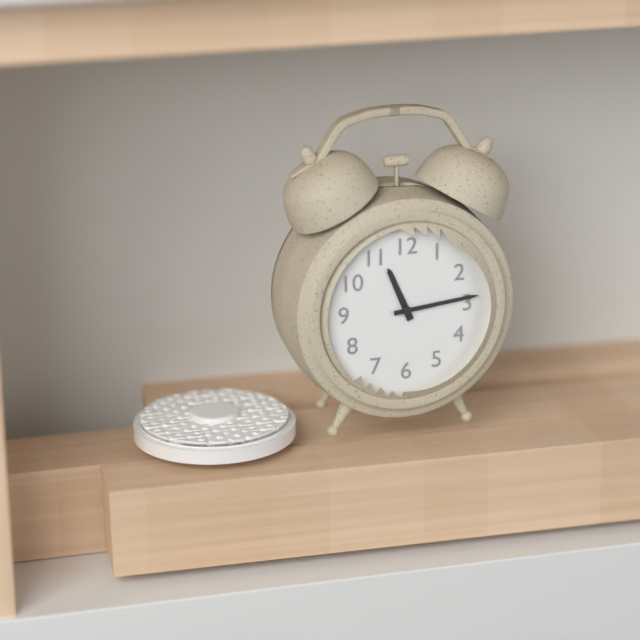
11.14
